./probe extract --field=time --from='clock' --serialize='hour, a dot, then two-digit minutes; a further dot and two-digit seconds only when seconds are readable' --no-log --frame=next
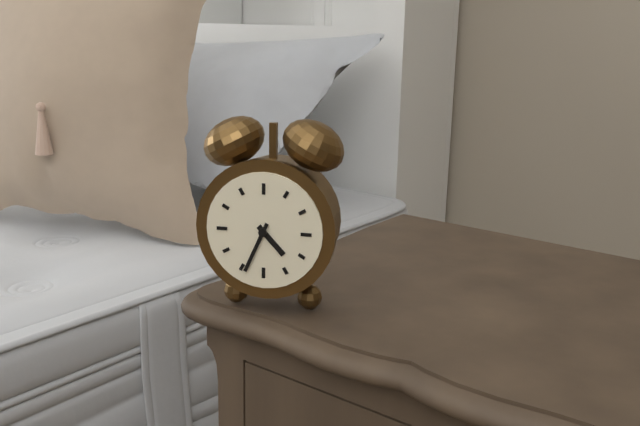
4.34
